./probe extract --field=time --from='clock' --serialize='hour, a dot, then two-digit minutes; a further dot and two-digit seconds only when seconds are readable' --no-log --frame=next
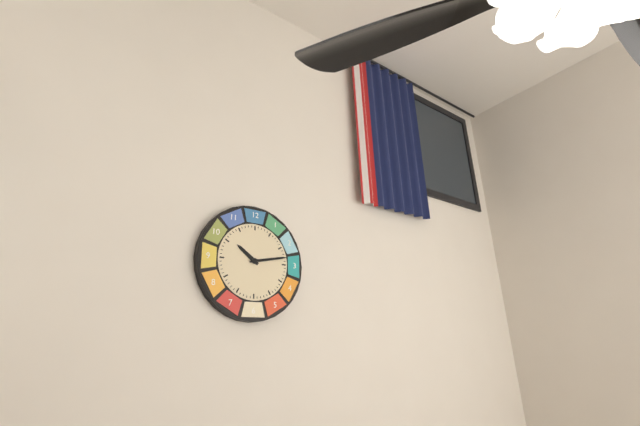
10.13
